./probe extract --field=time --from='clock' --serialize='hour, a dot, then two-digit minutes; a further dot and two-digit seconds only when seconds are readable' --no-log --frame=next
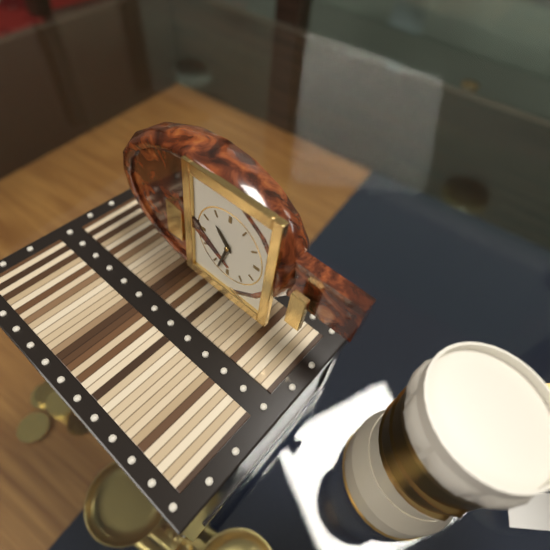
10.33
